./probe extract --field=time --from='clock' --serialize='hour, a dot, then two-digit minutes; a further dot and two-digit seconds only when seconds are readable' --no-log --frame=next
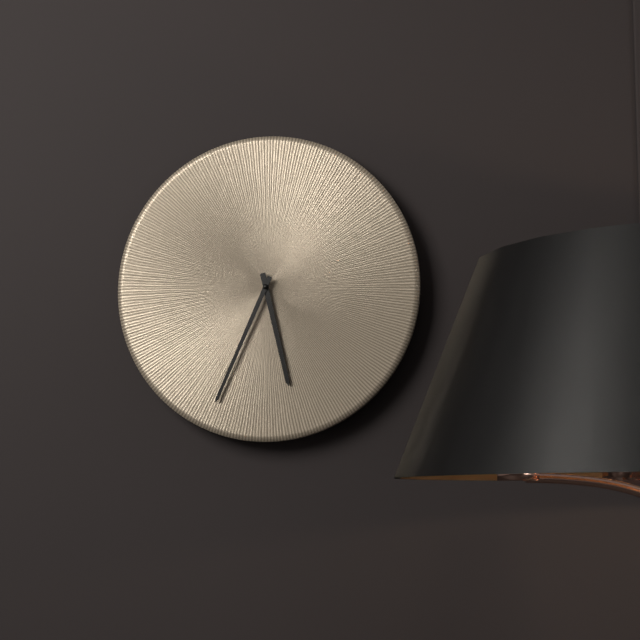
5.34
